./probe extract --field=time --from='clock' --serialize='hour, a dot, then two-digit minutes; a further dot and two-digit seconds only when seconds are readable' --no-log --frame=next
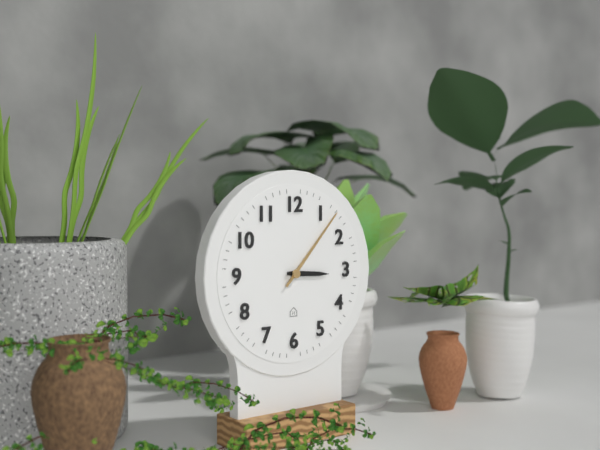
3.07
